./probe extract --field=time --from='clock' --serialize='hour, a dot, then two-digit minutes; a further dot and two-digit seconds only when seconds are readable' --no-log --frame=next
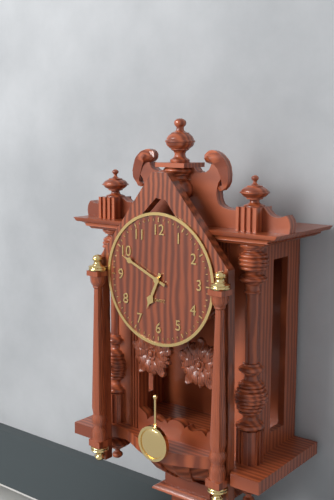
6.49
